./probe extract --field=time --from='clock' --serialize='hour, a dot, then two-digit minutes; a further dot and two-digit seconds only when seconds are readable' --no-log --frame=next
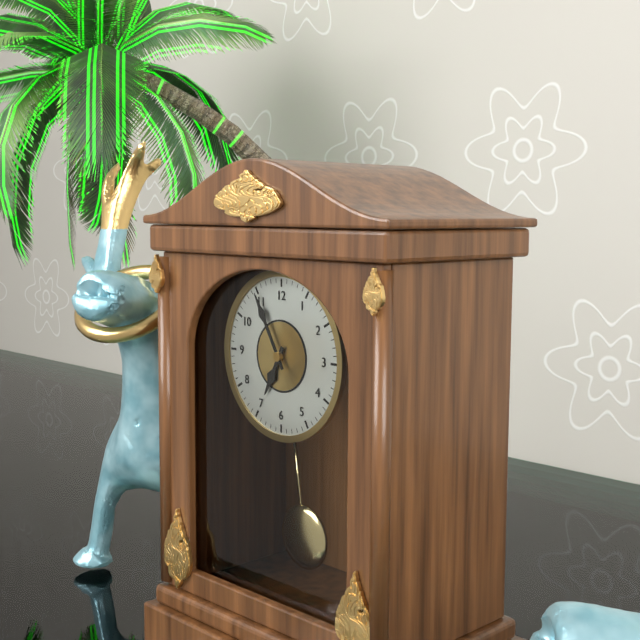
6.55
